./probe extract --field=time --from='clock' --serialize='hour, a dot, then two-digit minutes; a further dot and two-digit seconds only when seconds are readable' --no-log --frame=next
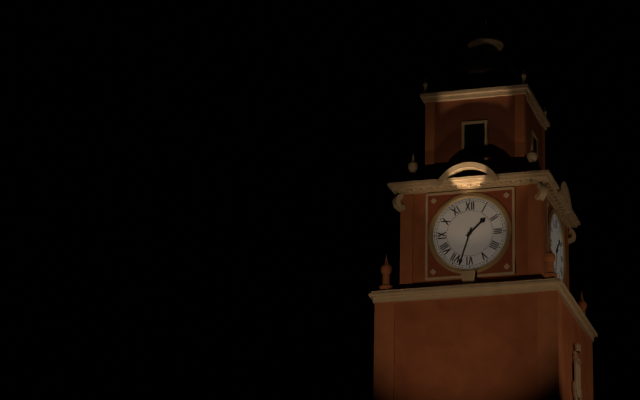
1.33
